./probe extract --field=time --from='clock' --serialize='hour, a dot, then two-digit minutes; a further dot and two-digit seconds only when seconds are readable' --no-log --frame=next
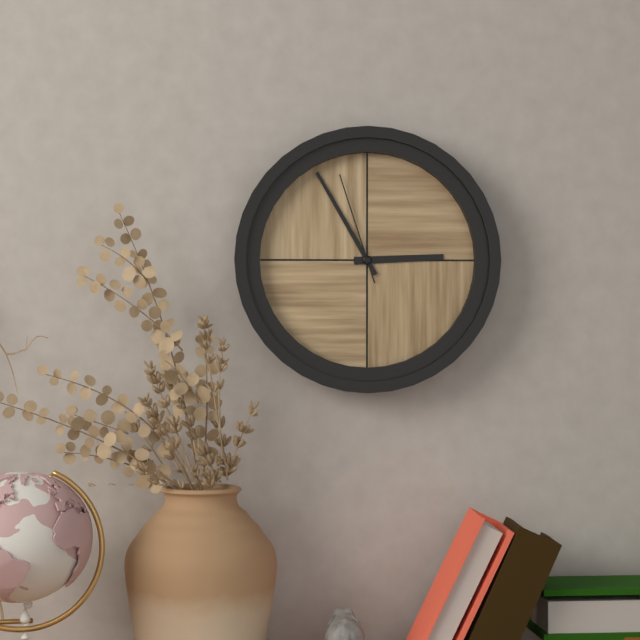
2.55.57
